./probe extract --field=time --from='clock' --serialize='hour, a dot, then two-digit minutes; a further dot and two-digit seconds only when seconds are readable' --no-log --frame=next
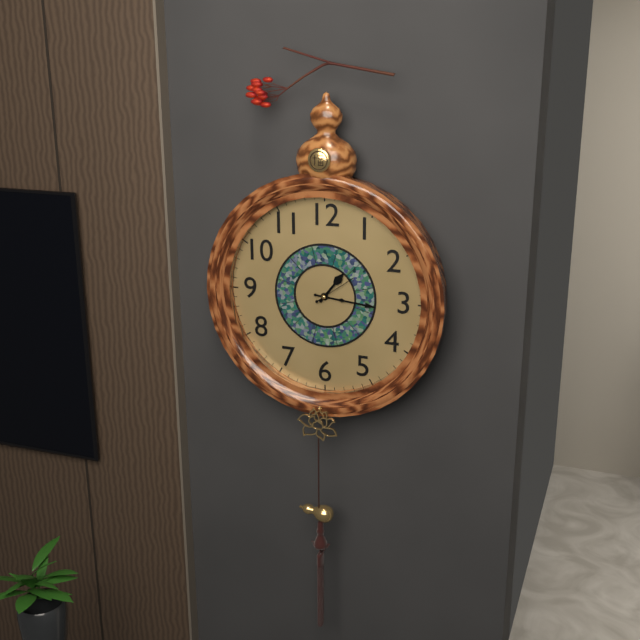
1.16
